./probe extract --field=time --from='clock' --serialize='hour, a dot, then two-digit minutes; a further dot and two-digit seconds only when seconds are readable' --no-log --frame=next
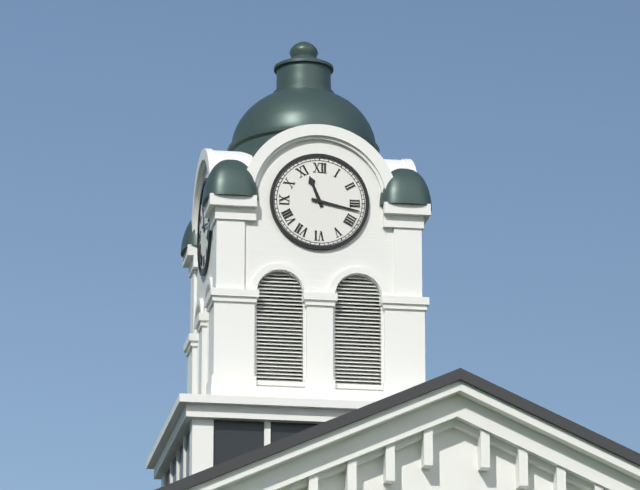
11.17
